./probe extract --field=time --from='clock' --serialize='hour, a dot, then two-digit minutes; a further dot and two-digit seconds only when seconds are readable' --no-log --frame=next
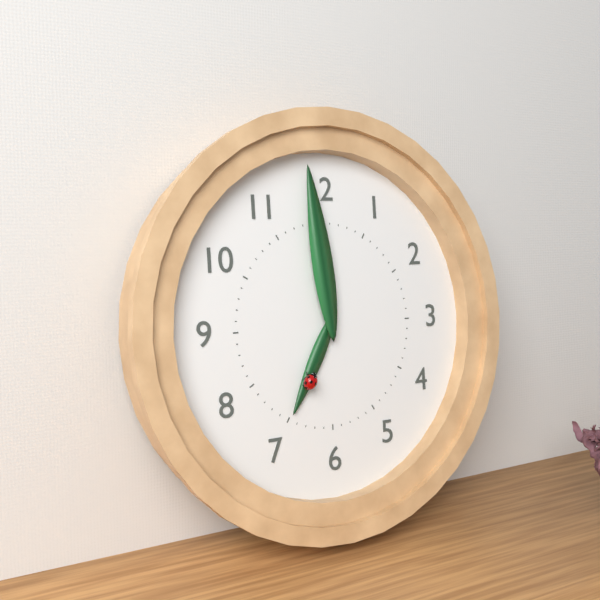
6.59
